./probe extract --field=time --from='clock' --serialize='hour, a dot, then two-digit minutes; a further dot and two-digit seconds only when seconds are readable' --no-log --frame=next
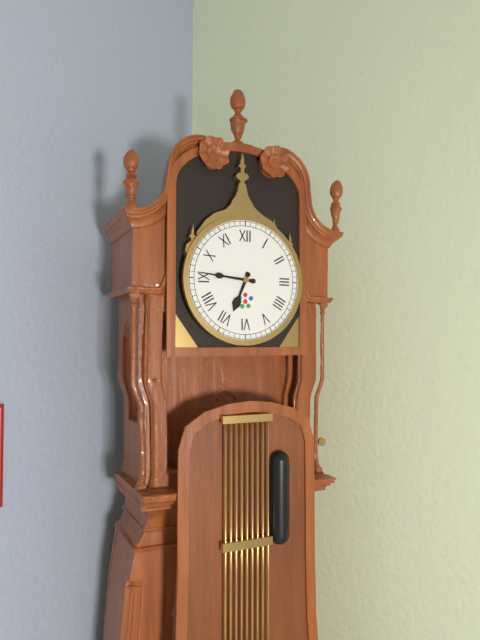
6.46
